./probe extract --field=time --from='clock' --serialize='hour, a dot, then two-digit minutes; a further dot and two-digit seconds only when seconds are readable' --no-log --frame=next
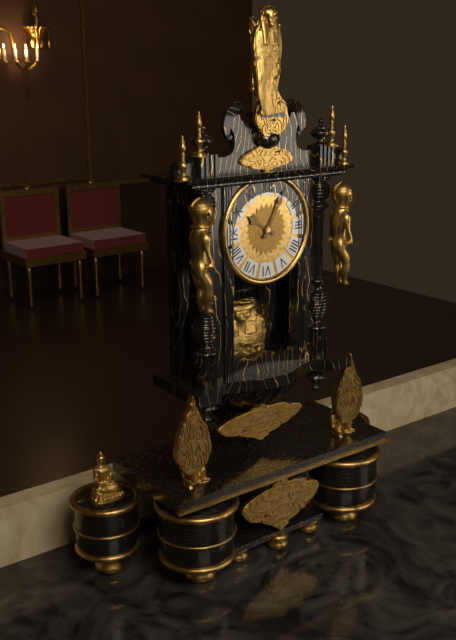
10.05
